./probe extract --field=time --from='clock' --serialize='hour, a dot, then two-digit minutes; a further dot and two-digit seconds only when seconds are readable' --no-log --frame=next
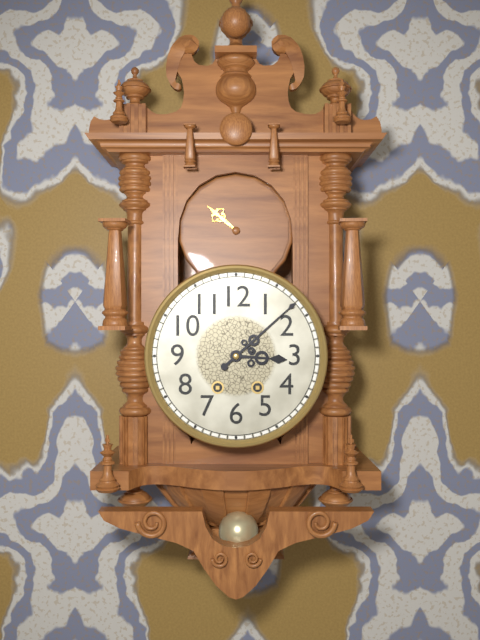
3.08
